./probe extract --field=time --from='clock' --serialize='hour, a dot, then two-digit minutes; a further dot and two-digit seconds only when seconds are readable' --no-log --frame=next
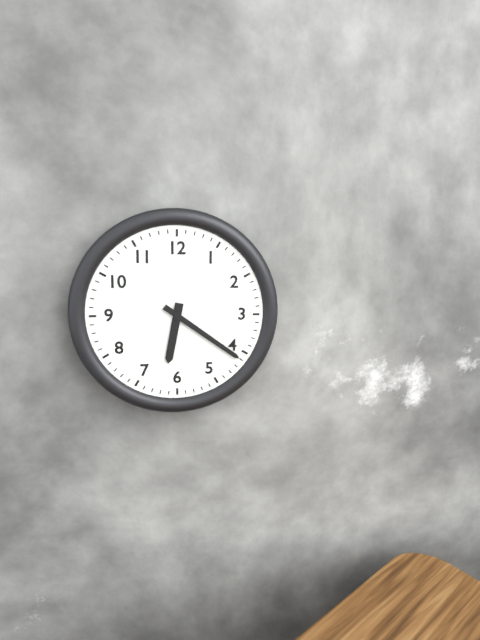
6.21
